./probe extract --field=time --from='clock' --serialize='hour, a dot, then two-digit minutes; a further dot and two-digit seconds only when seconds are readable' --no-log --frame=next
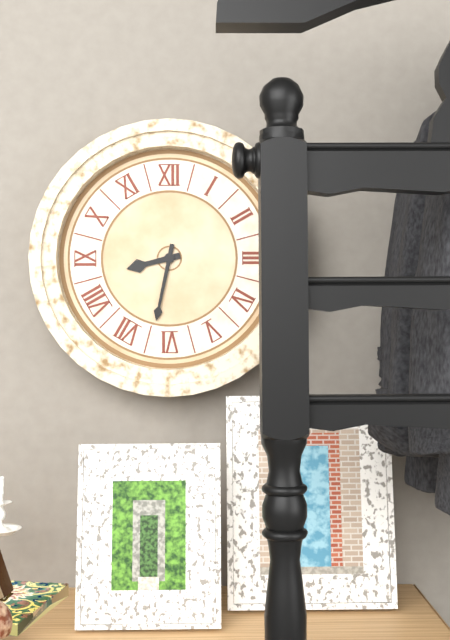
8.32
